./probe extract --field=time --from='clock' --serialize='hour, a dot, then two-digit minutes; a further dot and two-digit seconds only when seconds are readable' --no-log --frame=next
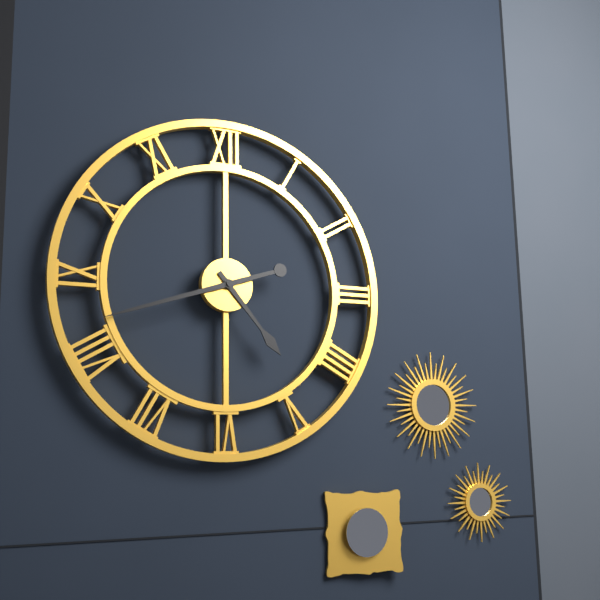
4.42
